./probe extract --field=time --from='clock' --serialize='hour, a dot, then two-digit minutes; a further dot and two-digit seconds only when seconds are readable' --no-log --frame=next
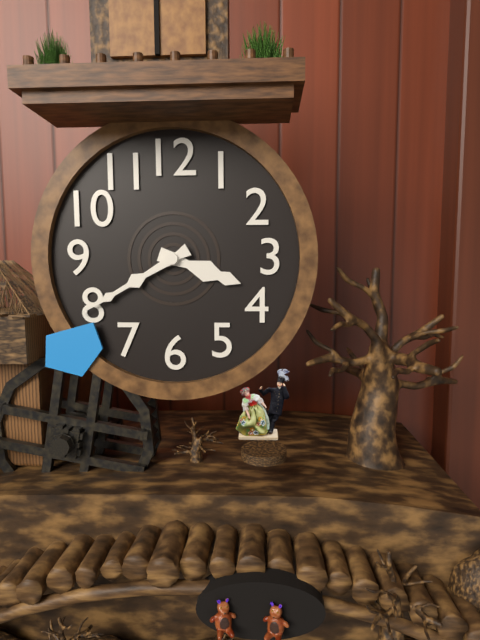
3.40
